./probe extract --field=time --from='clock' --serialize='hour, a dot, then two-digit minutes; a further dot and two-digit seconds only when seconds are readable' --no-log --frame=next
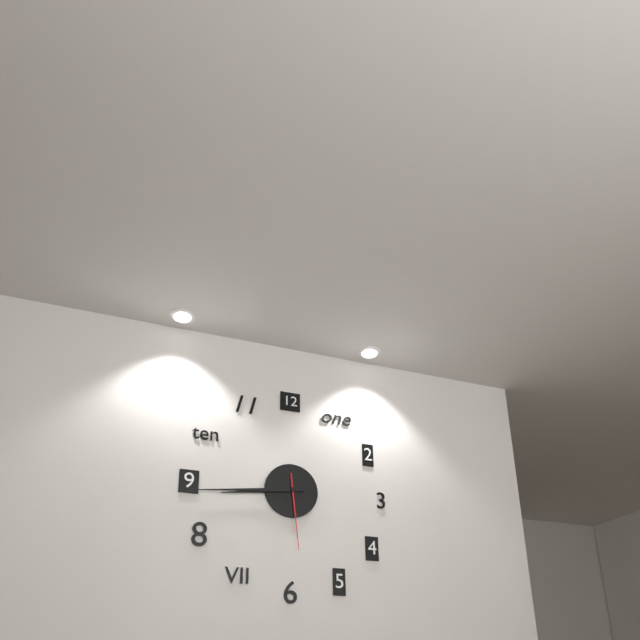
8.44.29
